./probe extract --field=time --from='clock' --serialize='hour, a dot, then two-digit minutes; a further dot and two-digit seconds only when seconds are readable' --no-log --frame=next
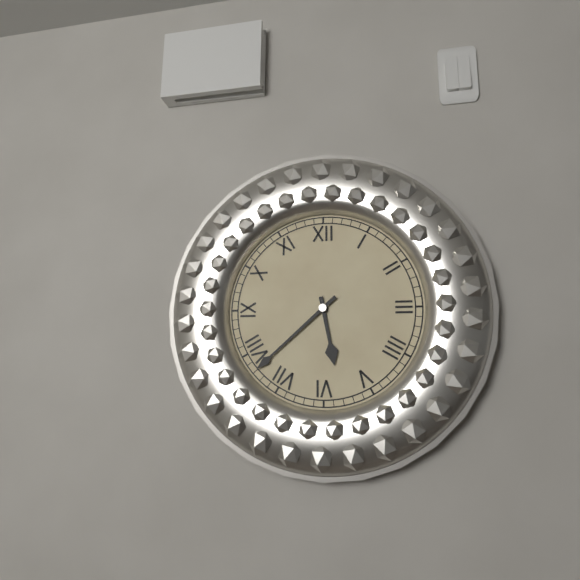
5.38
